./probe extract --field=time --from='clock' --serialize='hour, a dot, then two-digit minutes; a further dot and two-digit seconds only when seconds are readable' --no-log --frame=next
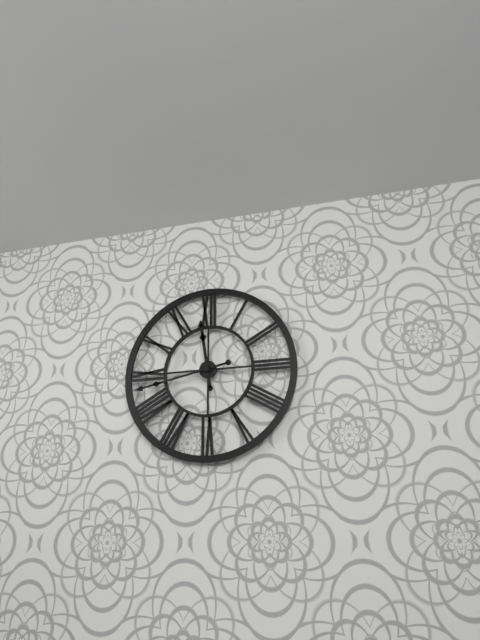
11.43
